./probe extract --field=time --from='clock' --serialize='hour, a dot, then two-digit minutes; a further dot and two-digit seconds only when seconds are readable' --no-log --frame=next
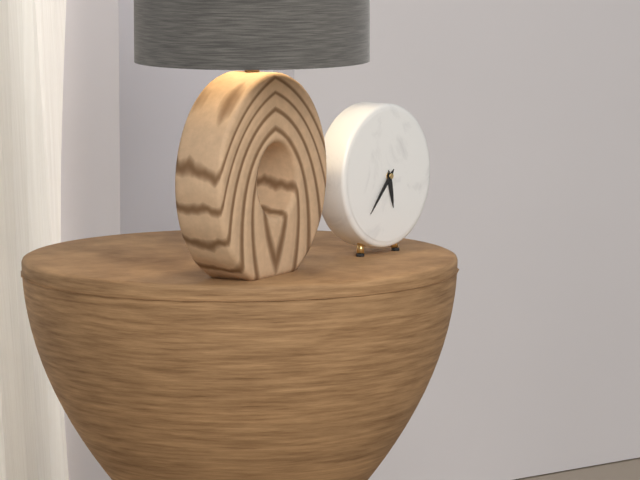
5.37
